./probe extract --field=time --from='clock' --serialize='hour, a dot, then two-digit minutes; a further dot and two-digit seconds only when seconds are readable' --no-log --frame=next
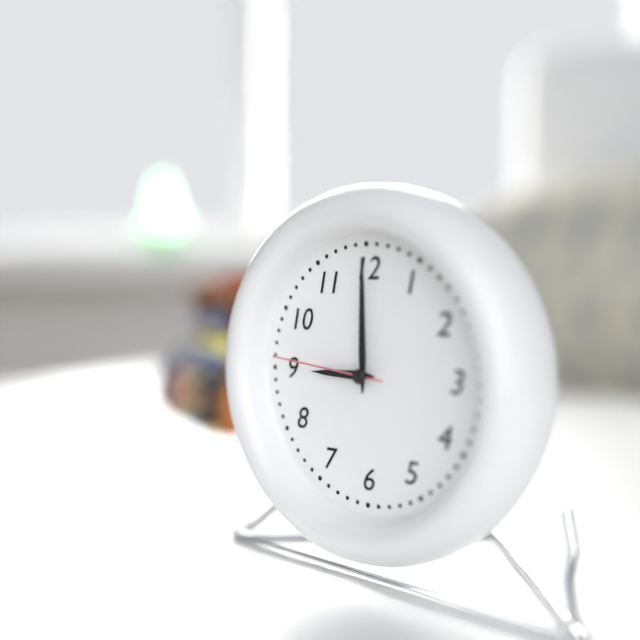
9.00.46
